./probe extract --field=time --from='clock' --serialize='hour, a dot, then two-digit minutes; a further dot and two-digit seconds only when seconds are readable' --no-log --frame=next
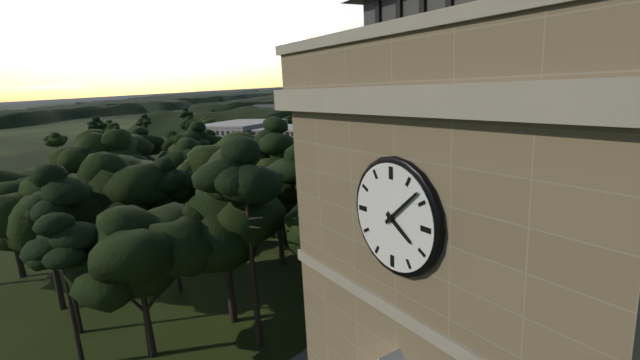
4.08
